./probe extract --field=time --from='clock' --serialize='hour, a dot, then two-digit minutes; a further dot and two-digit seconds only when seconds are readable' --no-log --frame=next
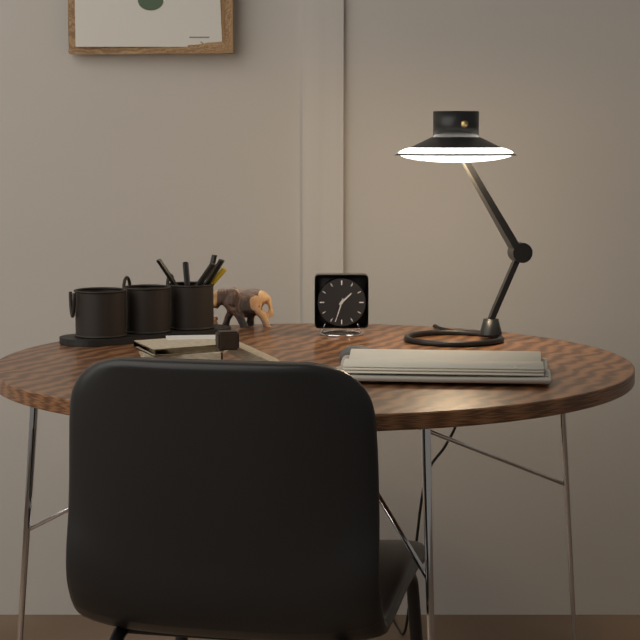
1.33
